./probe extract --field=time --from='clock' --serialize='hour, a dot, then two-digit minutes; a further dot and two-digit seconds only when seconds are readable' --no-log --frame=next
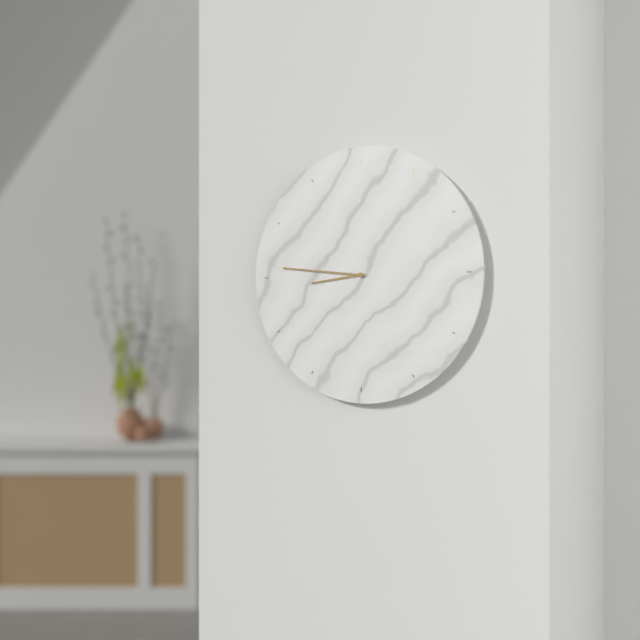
8.46
